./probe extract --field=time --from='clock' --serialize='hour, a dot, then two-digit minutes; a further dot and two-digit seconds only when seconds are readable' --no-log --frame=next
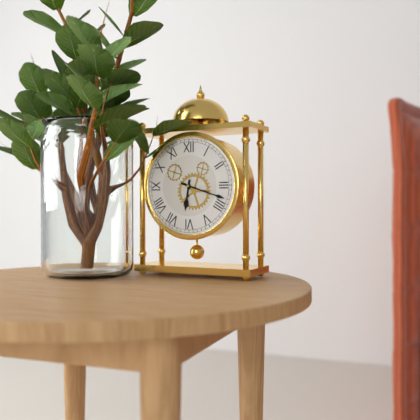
6.18
